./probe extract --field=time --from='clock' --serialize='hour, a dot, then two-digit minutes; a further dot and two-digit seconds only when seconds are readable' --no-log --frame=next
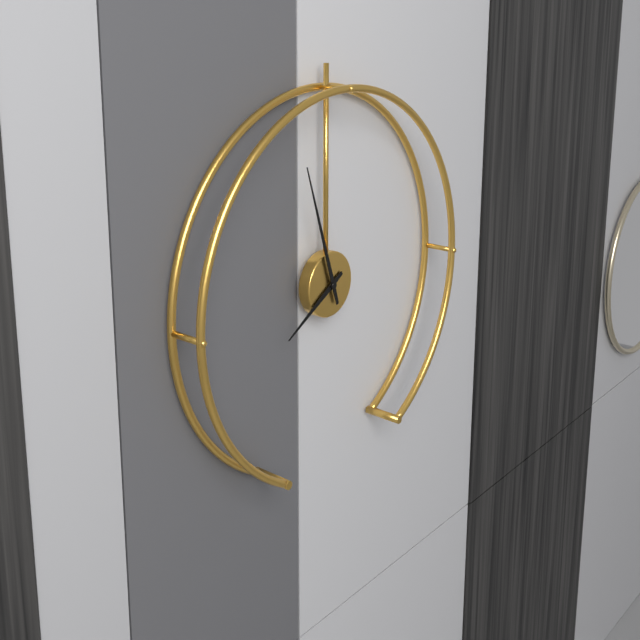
7.57
